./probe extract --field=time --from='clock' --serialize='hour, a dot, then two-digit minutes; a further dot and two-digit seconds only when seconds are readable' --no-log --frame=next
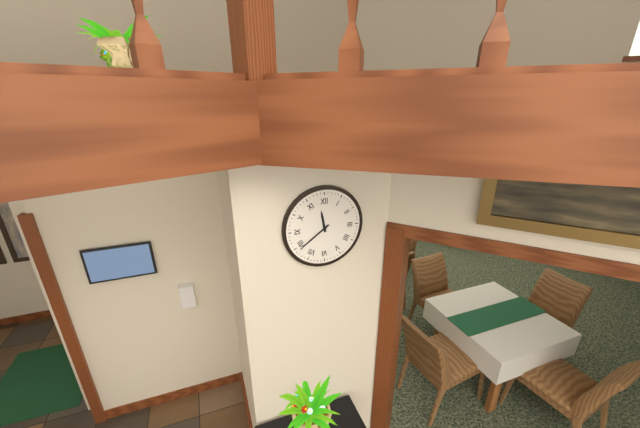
11.39
